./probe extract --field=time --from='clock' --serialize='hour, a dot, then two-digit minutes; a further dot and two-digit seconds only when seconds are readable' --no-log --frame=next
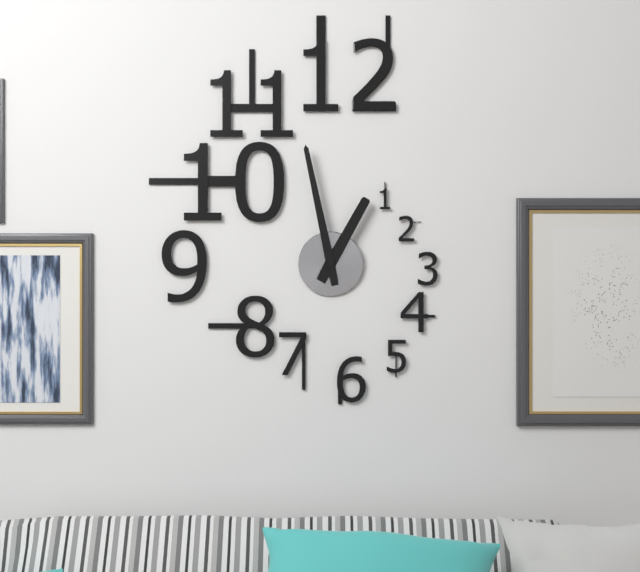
12.58
